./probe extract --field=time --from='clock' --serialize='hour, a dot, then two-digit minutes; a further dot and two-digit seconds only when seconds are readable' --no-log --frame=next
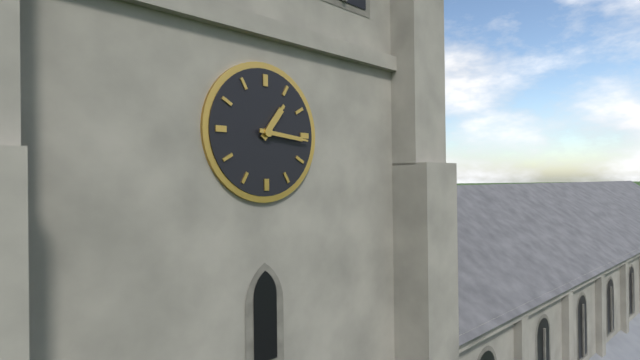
1.16
